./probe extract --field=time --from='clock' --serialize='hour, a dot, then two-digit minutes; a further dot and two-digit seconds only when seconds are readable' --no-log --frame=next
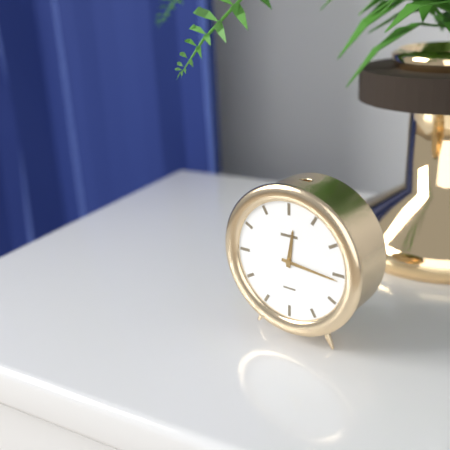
12.16
